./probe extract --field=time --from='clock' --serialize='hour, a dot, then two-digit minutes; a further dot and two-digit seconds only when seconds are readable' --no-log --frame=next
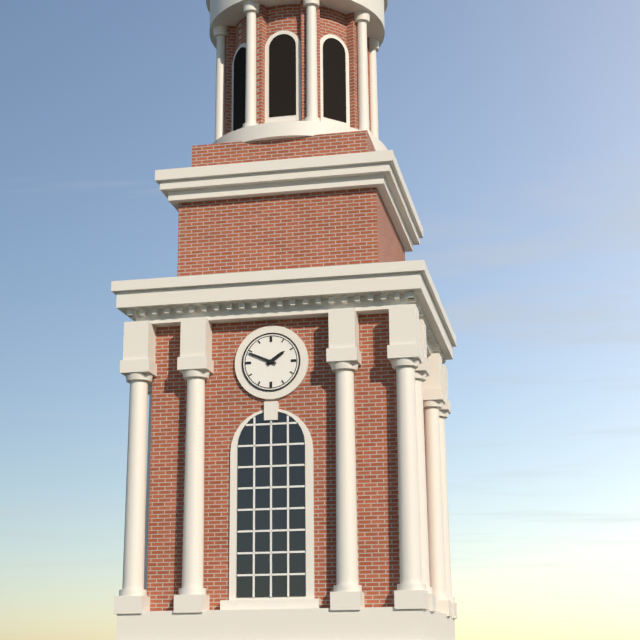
1.49
